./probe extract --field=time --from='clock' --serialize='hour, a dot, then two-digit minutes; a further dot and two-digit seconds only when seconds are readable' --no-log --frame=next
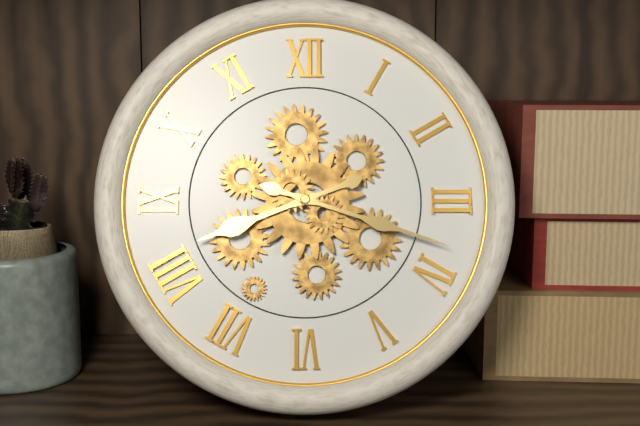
8.18
